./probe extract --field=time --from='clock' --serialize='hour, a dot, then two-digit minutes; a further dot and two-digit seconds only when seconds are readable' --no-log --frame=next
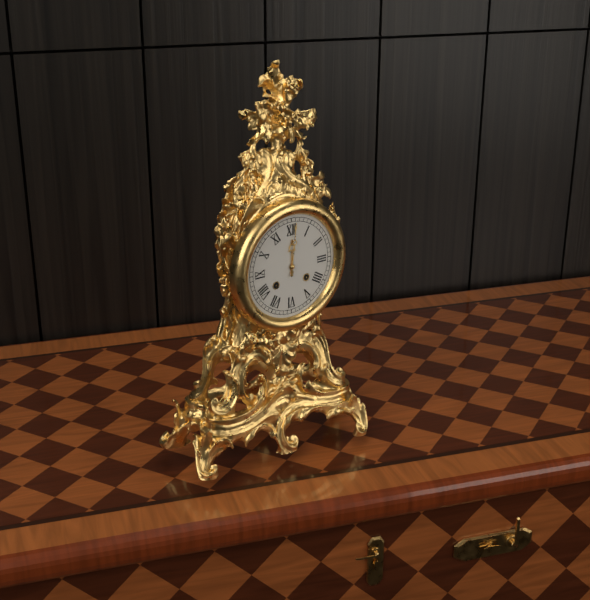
12.01
